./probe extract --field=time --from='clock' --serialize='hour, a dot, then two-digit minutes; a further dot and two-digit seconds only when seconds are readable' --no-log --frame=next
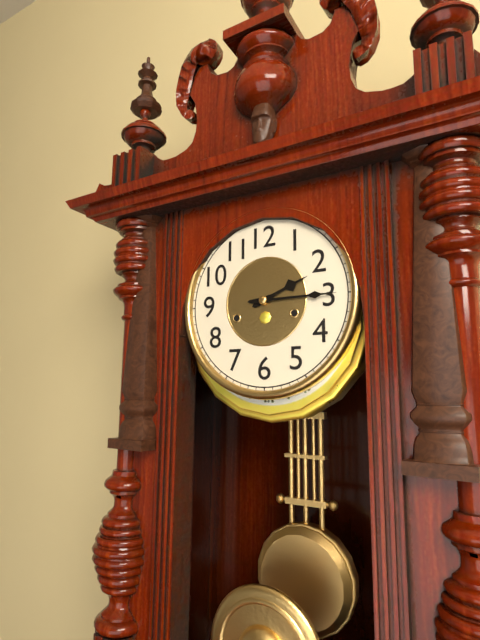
2.15
